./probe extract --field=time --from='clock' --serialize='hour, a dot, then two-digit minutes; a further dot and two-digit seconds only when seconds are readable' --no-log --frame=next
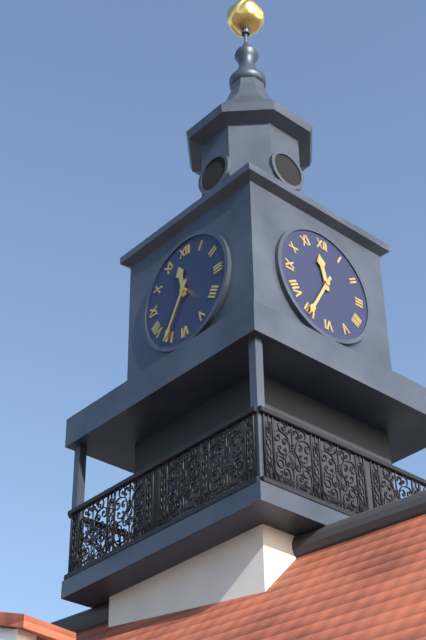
11.35
